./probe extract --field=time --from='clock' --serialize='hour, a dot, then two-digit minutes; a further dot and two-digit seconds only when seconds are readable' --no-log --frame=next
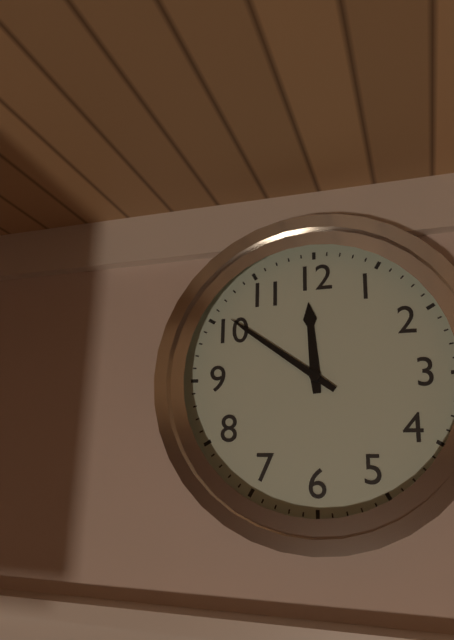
11.51
